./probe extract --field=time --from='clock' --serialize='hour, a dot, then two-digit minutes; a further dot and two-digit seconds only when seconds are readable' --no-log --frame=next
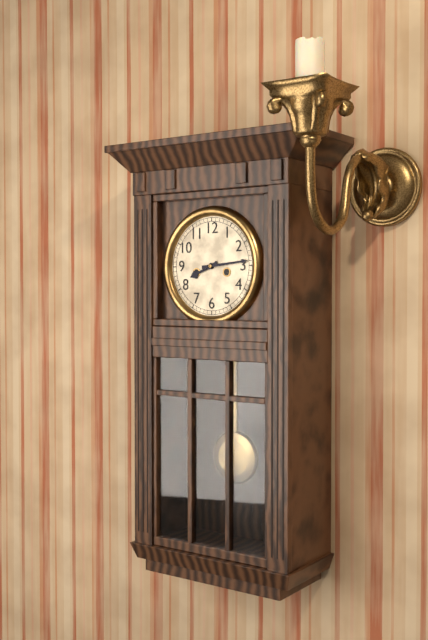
8.14
